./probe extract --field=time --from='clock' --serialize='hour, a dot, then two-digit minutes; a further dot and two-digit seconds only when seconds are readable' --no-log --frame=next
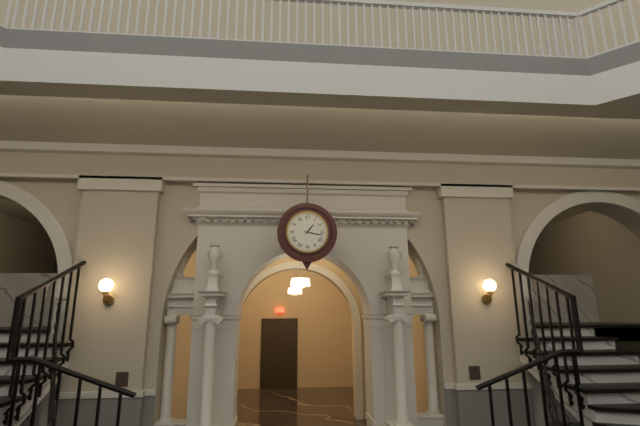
1.17
